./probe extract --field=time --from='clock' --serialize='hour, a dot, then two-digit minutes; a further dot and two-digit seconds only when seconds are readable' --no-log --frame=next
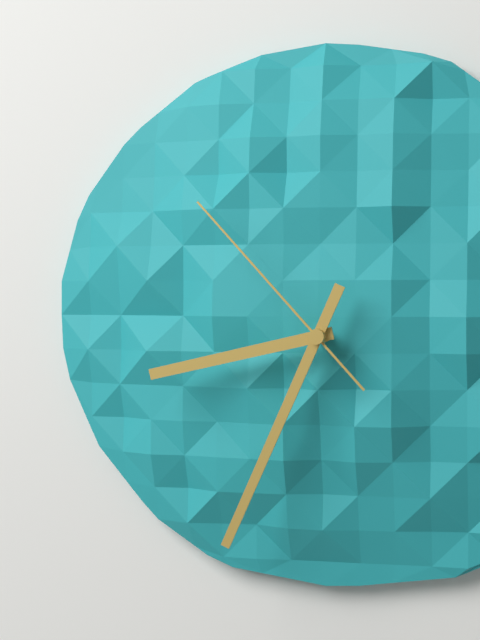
8.34.53
